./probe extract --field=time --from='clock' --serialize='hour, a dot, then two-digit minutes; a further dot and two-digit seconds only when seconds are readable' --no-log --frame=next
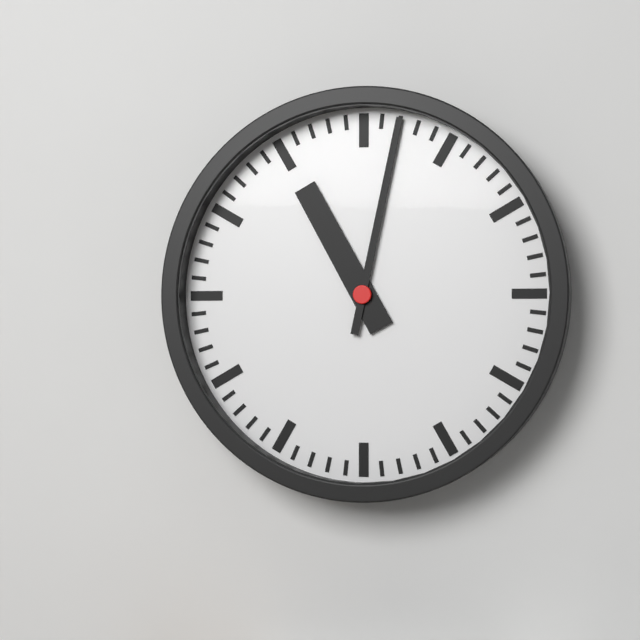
11.02
